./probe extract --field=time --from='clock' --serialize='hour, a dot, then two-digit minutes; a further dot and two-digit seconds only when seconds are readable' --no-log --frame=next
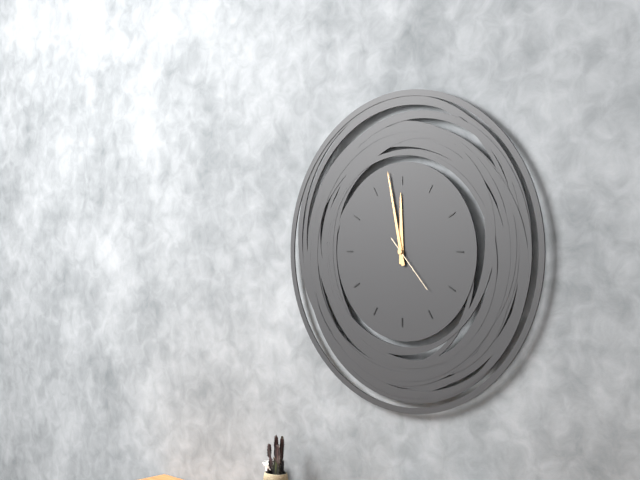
11.58.23
